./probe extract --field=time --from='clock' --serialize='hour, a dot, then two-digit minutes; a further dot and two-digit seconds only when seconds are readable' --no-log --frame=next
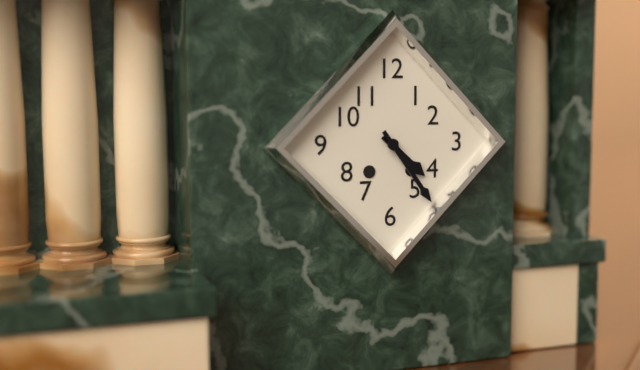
4.24
